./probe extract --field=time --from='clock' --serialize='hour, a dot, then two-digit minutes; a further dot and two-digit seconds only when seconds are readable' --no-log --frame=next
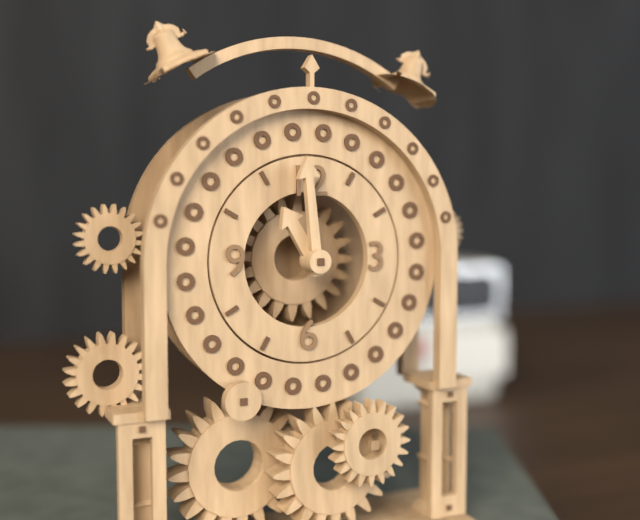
10.59
